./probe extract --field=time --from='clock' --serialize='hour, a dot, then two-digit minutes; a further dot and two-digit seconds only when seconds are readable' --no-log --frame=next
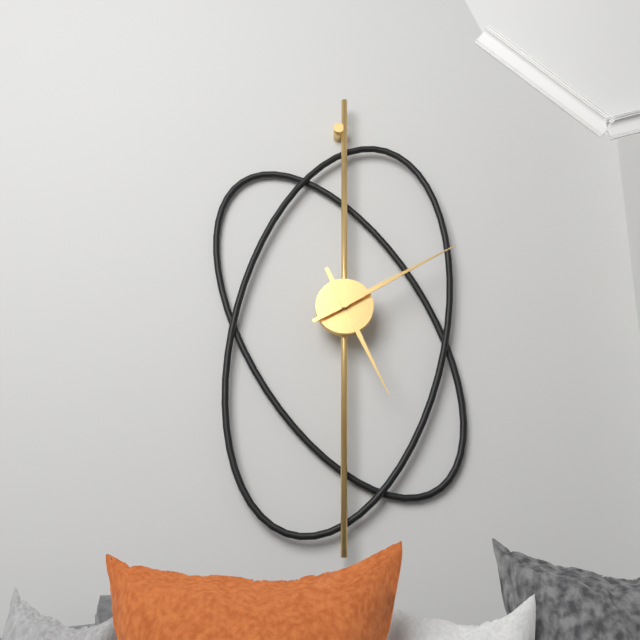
5.10
